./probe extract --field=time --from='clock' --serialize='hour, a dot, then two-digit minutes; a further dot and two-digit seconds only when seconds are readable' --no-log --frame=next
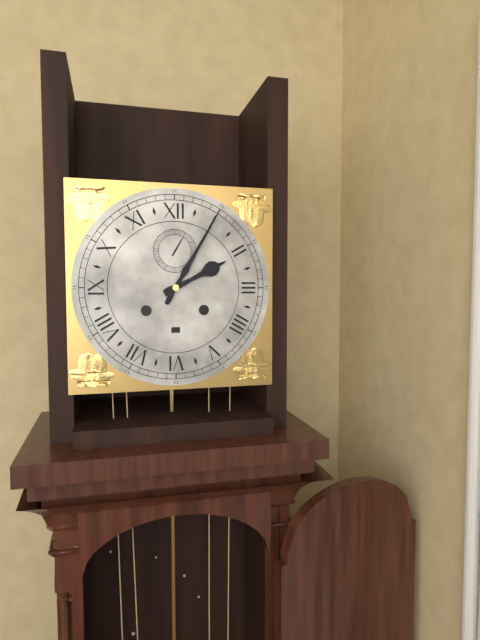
2.05
